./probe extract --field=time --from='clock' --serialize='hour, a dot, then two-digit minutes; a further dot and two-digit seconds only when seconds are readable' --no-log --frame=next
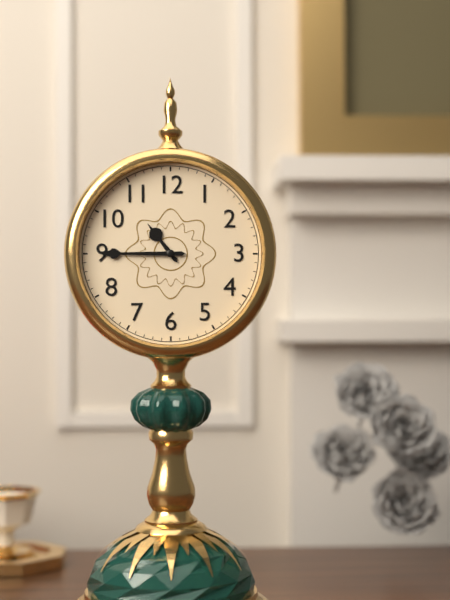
10.45
